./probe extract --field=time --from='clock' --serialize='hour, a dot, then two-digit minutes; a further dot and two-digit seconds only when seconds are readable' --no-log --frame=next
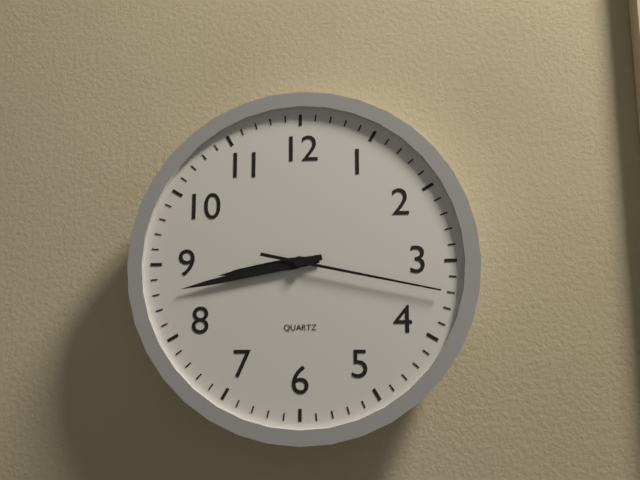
8.43.17
